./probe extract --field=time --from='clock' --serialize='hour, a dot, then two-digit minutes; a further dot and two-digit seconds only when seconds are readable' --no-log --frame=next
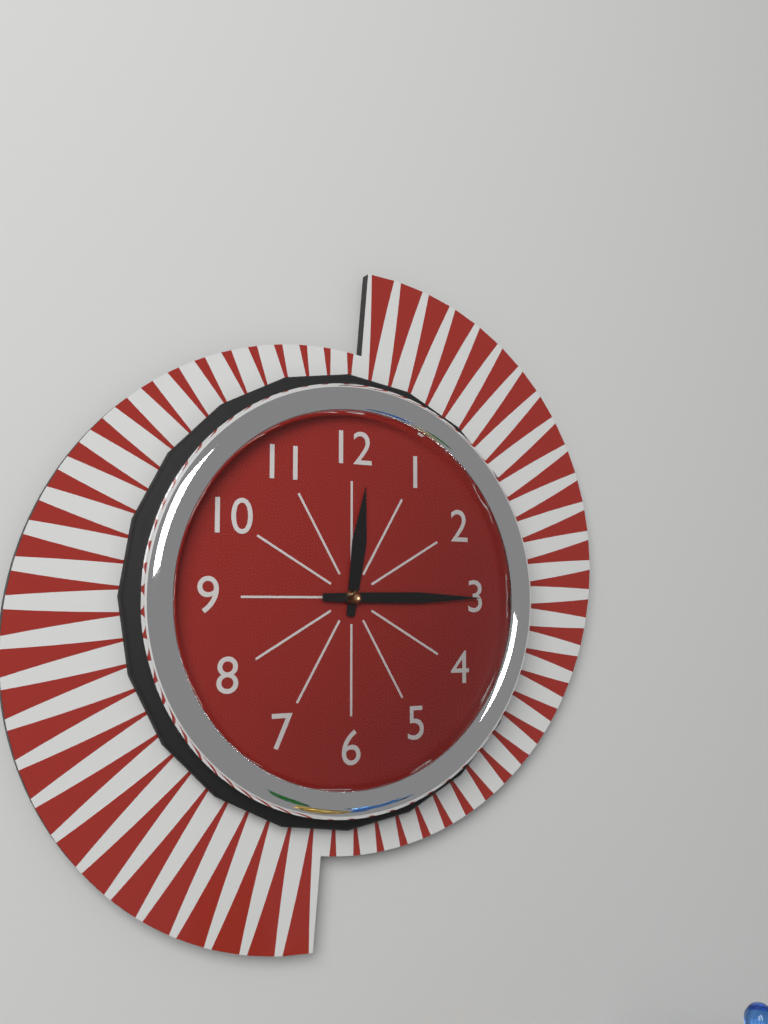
12.15
